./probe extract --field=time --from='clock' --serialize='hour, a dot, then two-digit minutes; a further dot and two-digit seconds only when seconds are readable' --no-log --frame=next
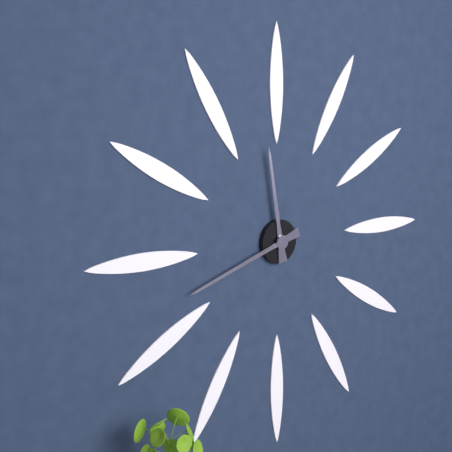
11.42
